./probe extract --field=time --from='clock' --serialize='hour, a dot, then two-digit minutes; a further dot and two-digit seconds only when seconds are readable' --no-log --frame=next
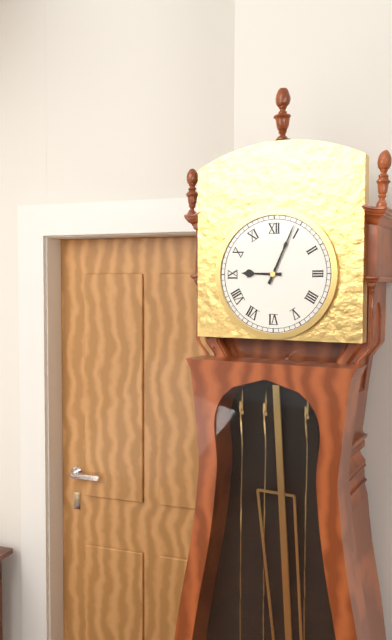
9.04
